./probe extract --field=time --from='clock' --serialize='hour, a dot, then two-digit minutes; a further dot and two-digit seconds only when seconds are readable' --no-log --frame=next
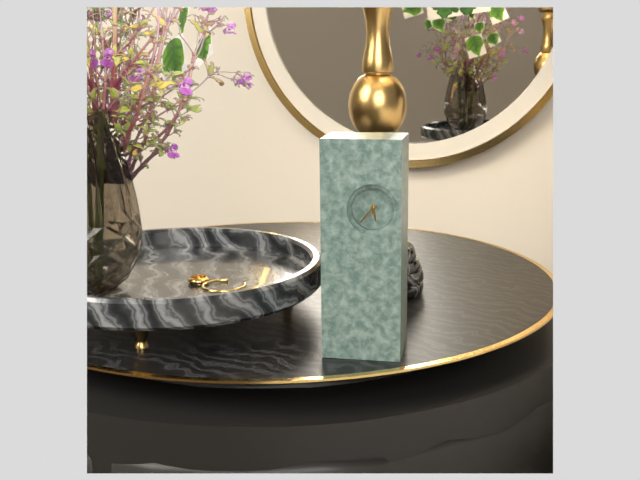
5.37
